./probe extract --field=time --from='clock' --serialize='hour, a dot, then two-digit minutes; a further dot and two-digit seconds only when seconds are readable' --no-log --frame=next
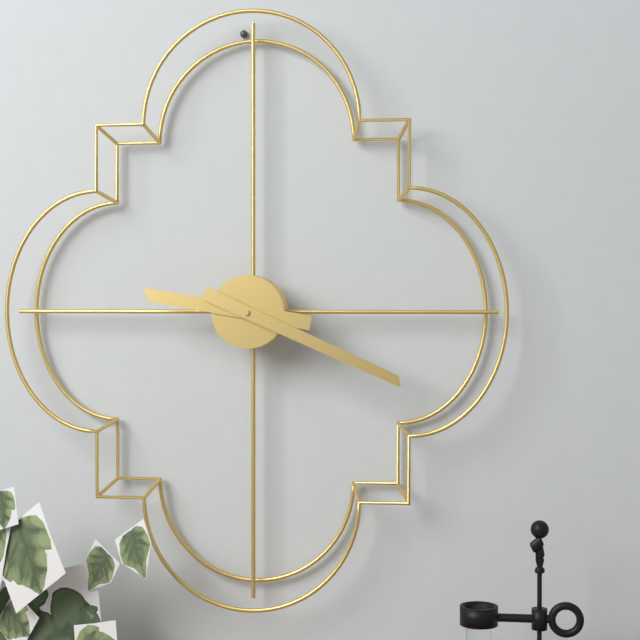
9.19
